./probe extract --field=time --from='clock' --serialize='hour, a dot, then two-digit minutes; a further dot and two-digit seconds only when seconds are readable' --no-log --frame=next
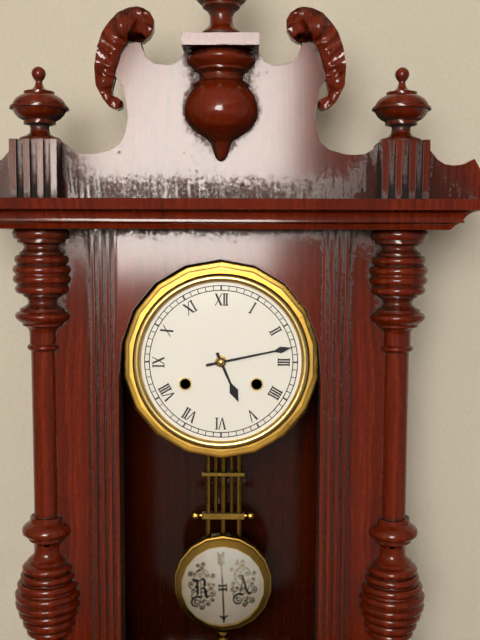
5.13
